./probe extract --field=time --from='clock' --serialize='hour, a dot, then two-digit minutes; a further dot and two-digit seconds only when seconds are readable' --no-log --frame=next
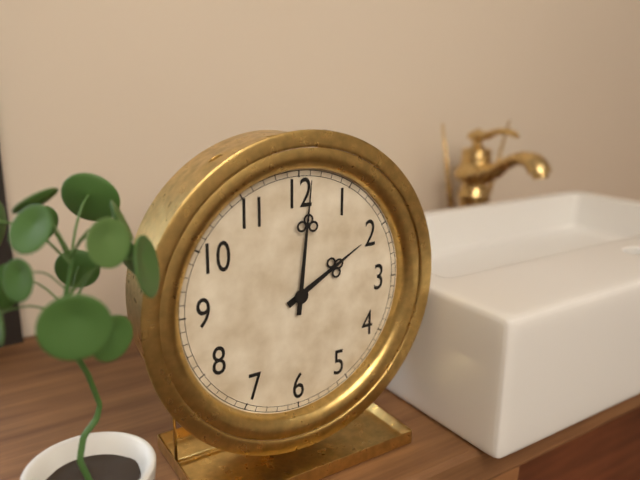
2.01
